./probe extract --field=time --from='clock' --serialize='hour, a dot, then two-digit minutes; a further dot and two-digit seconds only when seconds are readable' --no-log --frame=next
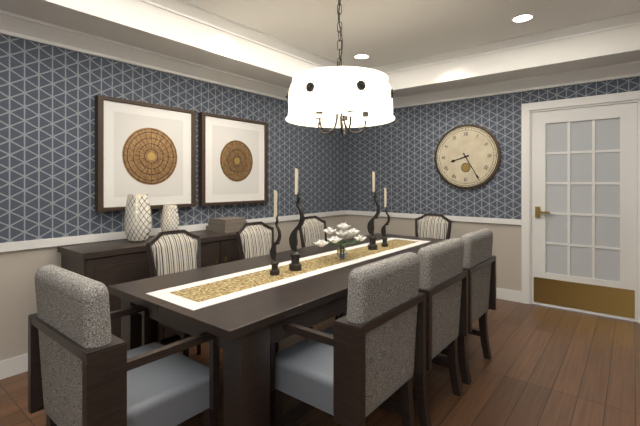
8.25
